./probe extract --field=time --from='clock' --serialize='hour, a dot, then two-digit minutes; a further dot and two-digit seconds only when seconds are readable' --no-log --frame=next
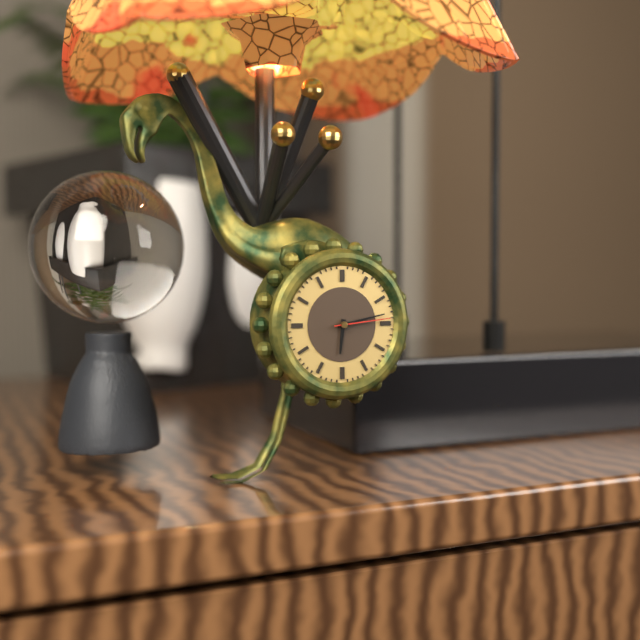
6.13.14
